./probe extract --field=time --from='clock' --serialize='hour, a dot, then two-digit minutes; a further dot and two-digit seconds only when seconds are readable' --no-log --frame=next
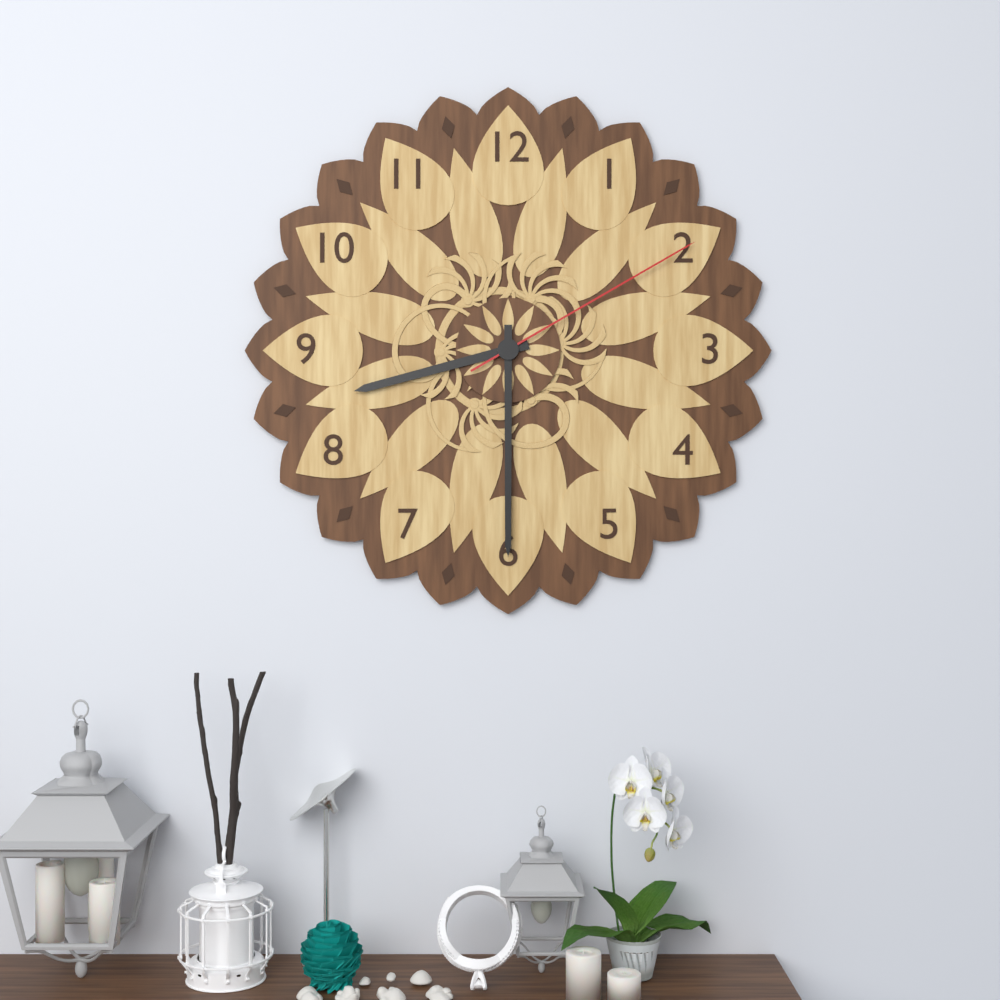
8.30.10
